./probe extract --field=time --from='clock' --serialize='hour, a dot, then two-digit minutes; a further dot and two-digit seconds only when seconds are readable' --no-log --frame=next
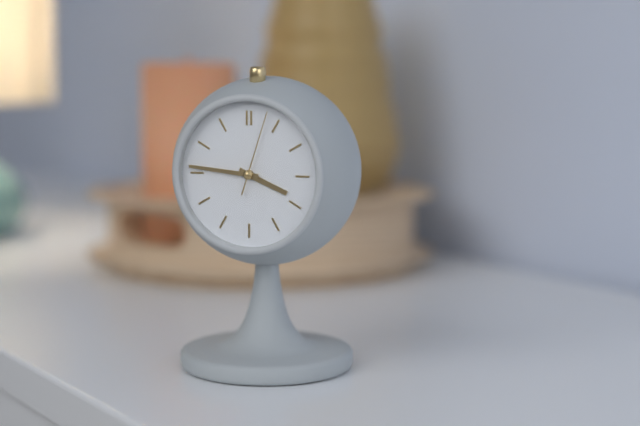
3.46.03
